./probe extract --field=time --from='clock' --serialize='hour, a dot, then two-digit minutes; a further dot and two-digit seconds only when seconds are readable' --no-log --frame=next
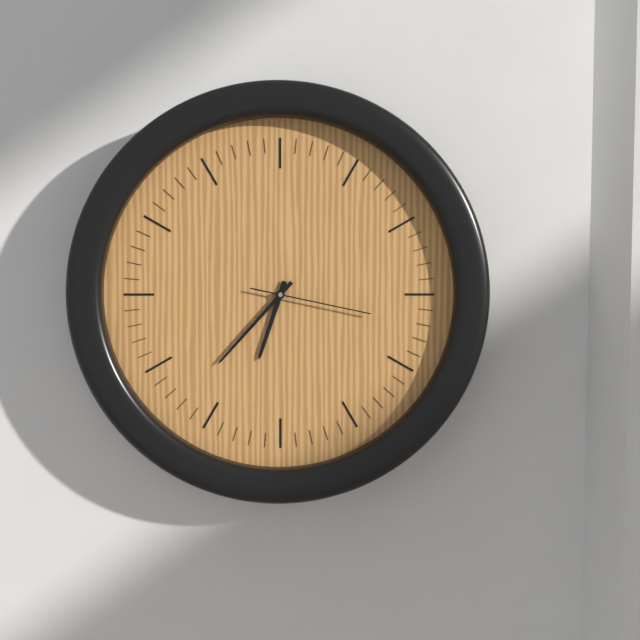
6.37.17
